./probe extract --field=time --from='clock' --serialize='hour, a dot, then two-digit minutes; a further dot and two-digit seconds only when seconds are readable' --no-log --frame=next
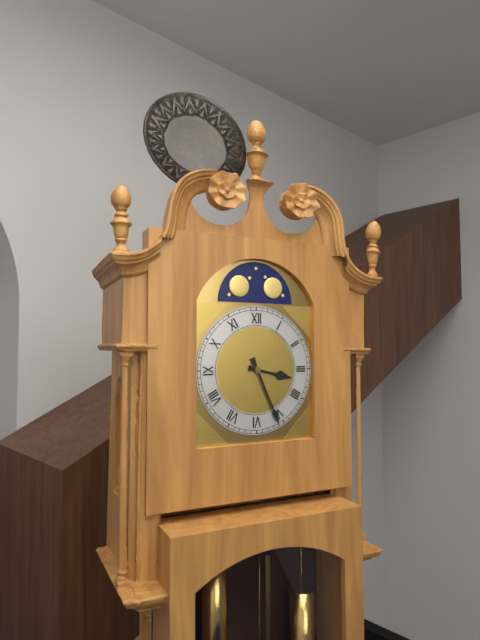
3.26
